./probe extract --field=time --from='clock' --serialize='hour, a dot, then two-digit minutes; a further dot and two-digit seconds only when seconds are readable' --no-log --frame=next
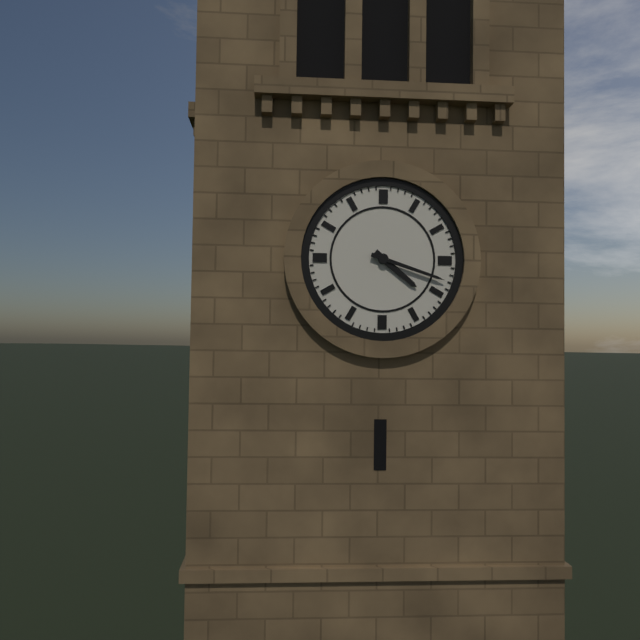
4.18
